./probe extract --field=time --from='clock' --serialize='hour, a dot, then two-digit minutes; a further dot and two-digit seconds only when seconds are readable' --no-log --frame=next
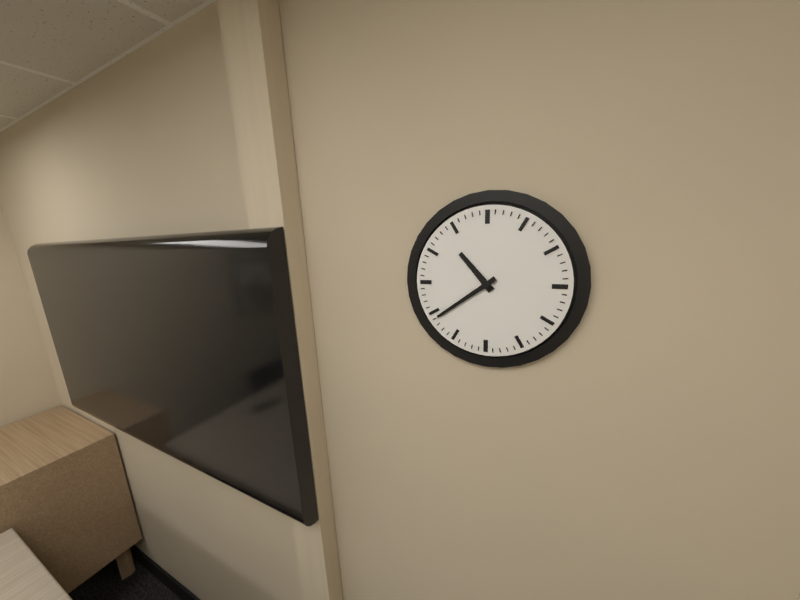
10.39
